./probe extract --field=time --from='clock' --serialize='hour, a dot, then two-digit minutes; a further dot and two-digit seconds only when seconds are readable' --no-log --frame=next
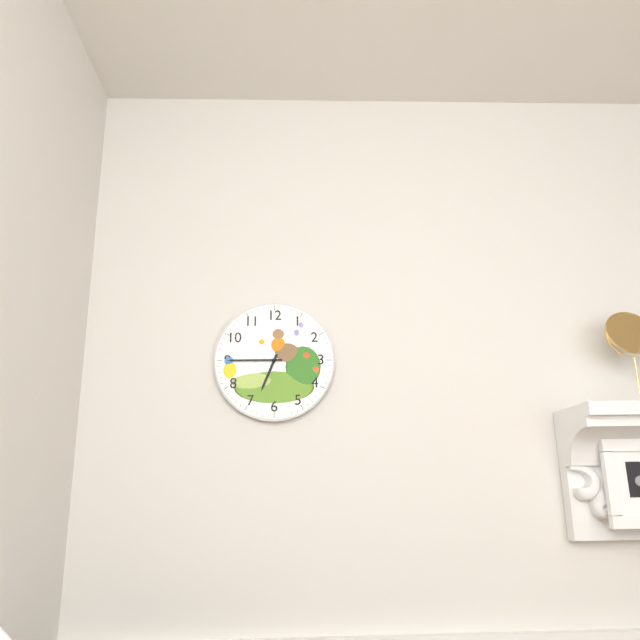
6.45
